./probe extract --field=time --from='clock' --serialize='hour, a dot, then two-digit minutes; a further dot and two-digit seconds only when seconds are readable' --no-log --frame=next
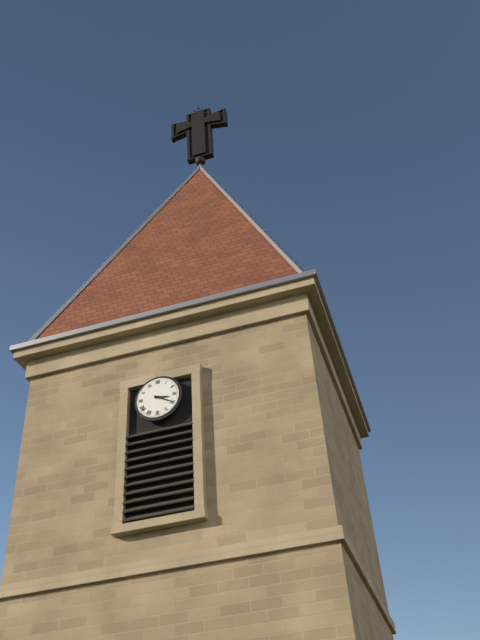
3.20
